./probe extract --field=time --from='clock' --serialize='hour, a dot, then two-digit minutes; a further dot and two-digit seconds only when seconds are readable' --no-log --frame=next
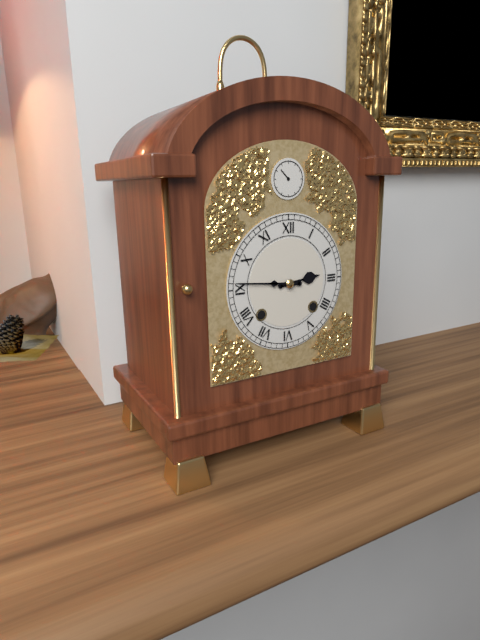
2.46
